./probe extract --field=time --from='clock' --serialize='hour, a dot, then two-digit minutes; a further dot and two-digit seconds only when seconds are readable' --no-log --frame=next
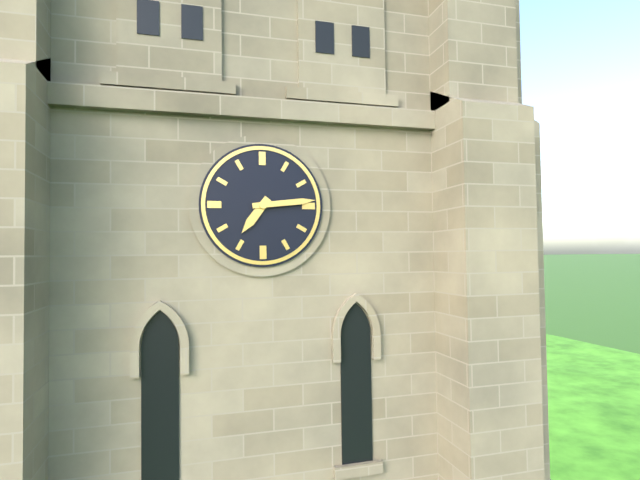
7.14
